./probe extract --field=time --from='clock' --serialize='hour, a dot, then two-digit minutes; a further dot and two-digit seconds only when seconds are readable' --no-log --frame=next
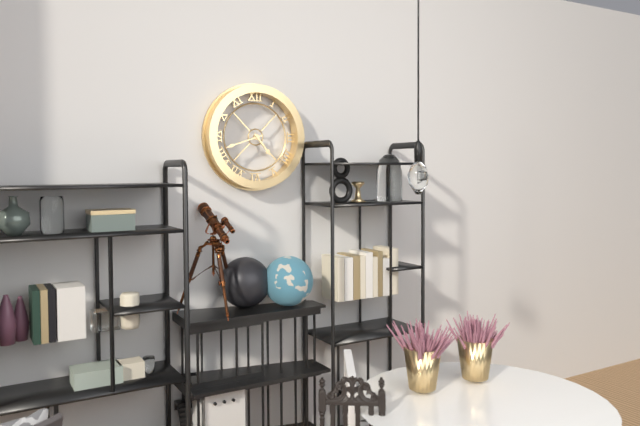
4.42
